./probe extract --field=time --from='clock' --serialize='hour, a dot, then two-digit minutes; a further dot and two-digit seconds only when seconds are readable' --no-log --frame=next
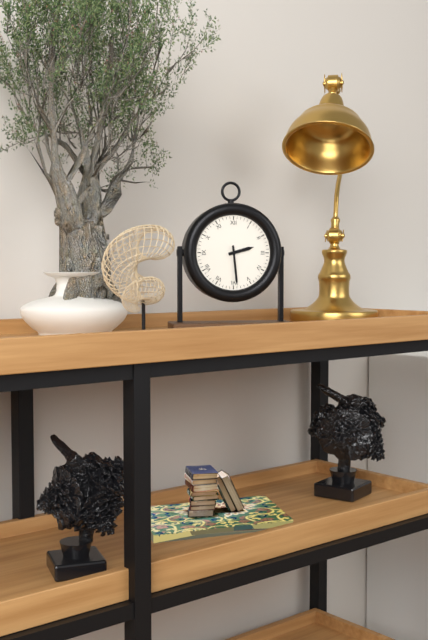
2.29
